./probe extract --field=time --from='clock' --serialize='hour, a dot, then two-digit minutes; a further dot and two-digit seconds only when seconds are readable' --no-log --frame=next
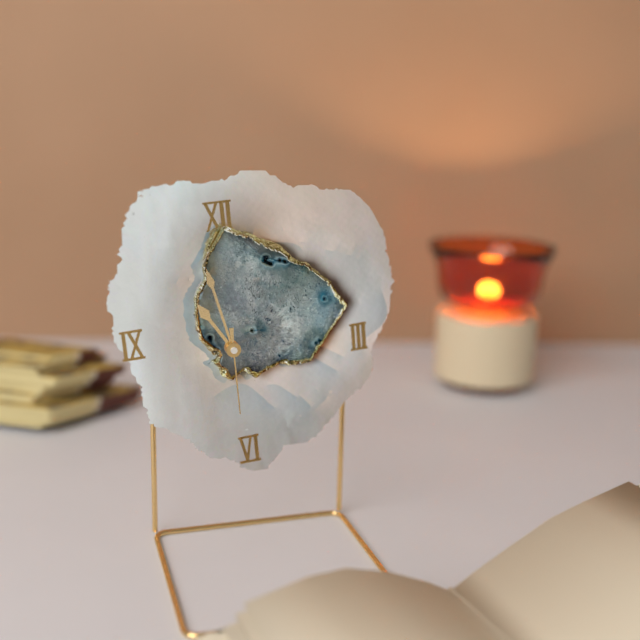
10.58.30
